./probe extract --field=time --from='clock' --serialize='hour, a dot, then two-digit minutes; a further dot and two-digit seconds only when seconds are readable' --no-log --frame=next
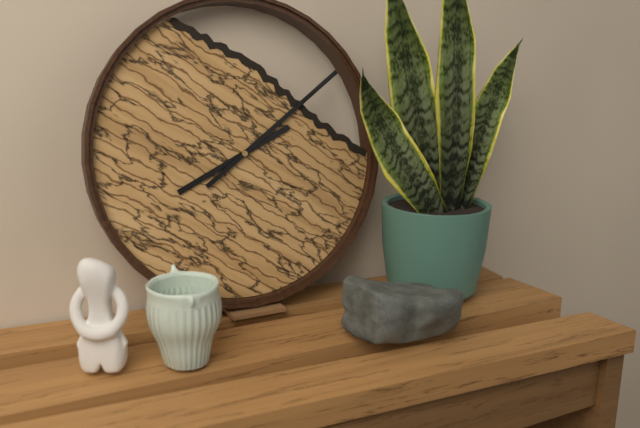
8.09
